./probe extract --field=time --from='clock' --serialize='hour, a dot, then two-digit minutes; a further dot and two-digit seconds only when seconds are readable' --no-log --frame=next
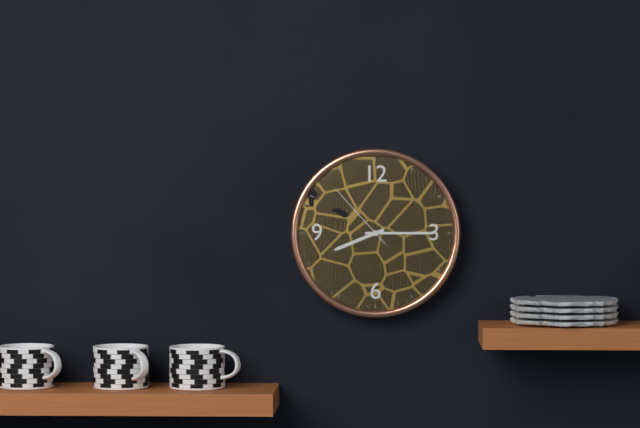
8.15.53
